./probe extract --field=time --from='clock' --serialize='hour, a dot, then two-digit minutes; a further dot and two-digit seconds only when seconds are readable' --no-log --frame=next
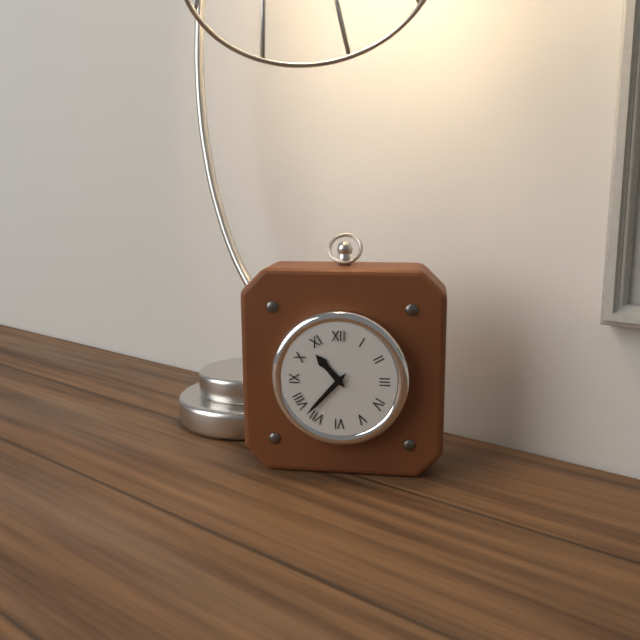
10.37
